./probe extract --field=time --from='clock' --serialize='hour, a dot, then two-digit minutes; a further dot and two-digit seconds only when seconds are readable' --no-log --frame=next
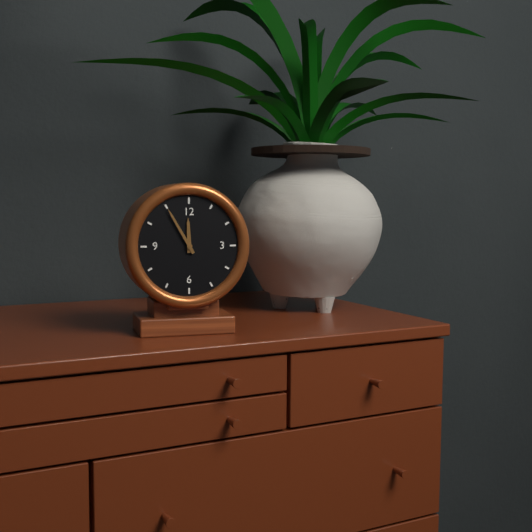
11.55
